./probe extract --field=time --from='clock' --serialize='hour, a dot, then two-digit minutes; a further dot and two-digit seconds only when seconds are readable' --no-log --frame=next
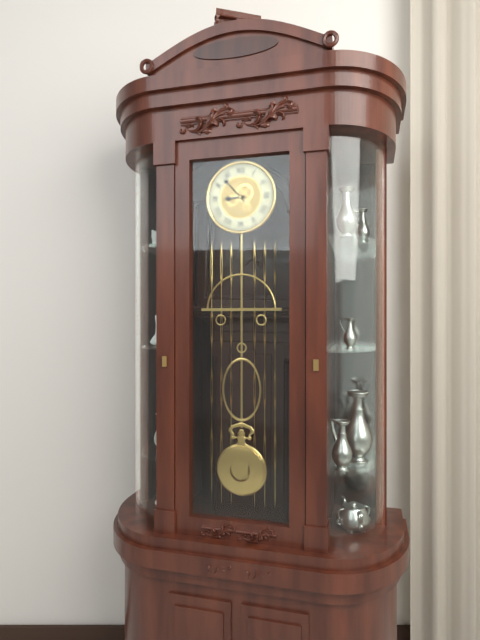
8.53
